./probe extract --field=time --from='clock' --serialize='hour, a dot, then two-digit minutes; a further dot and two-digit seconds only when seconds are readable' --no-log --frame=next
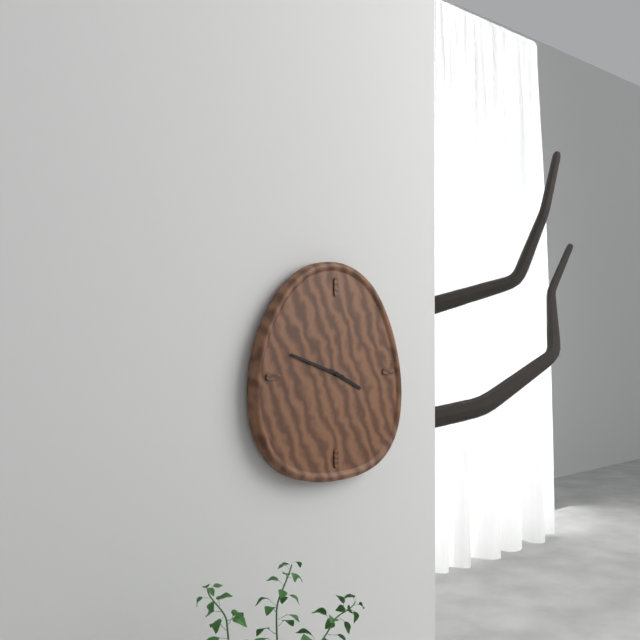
3.48
